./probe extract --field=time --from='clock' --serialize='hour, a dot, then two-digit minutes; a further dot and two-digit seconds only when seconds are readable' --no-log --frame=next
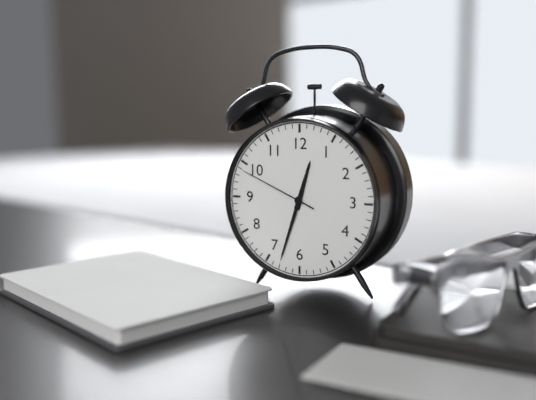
12.33.49
